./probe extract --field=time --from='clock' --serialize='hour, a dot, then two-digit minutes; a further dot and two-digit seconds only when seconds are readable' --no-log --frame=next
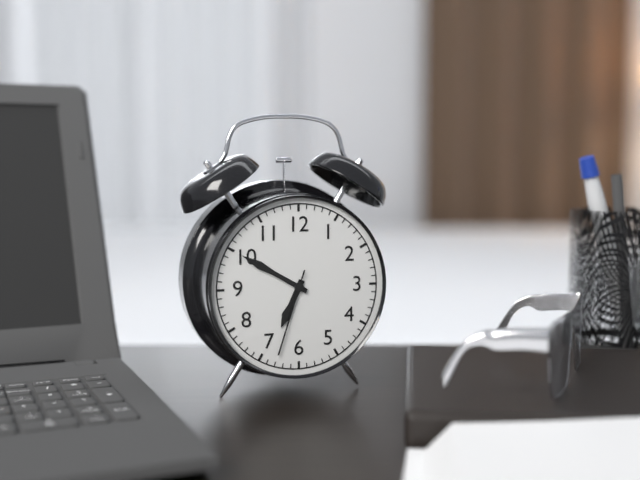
6.50.33
